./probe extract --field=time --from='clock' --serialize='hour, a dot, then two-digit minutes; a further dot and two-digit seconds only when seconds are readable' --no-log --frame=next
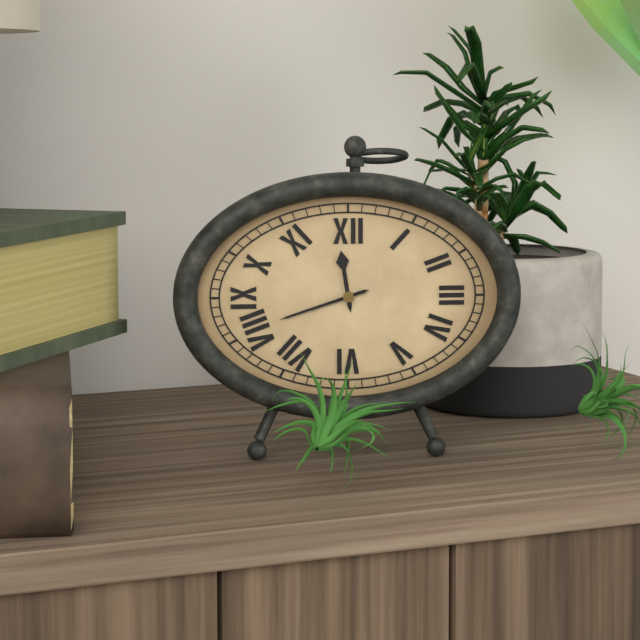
11.42
